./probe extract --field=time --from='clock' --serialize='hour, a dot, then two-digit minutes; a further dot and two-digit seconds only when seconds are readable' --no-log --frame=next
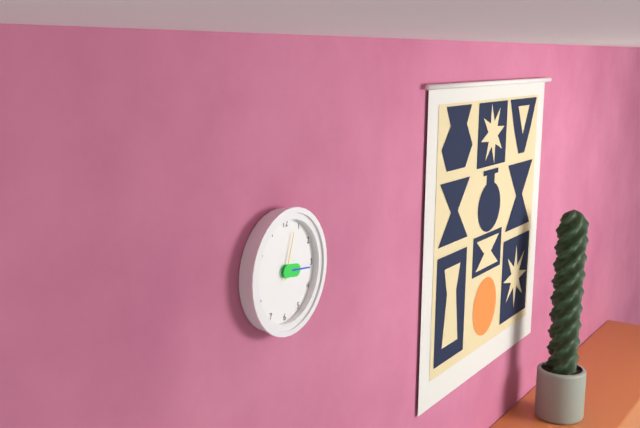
3.16.03
